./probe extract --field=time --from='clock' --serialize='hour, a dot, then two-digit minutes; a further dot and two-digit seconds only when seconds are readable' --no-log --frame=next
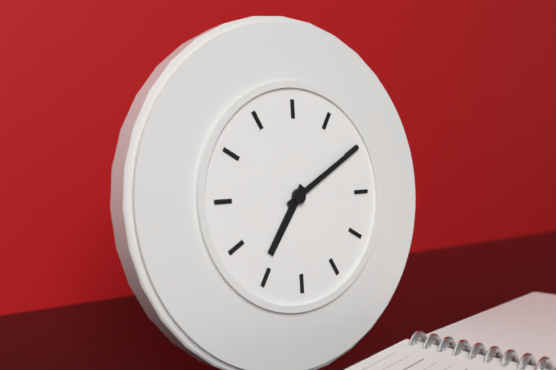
7.10
